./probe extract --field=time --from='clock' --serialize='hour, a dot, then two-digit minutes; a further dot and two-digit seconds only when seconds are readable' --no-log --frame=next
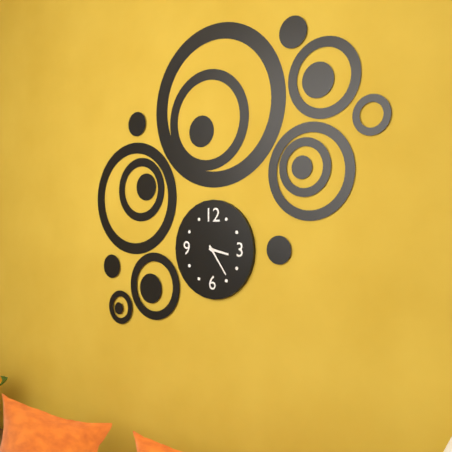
3.24
